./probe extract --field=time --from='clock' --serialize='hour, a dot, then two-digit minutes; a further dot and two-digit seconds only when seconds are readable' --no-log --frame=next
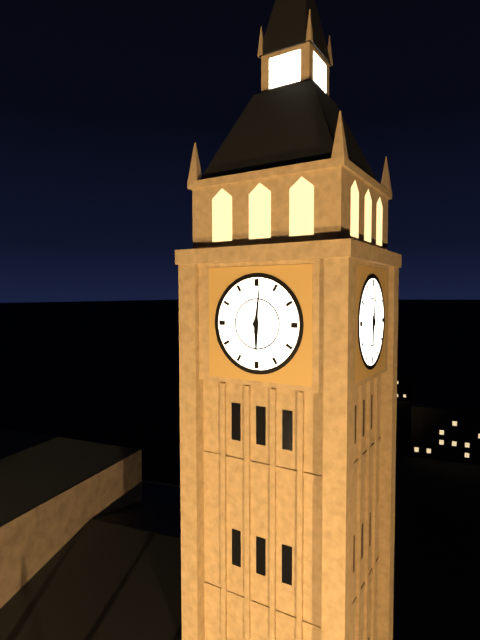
6.01
